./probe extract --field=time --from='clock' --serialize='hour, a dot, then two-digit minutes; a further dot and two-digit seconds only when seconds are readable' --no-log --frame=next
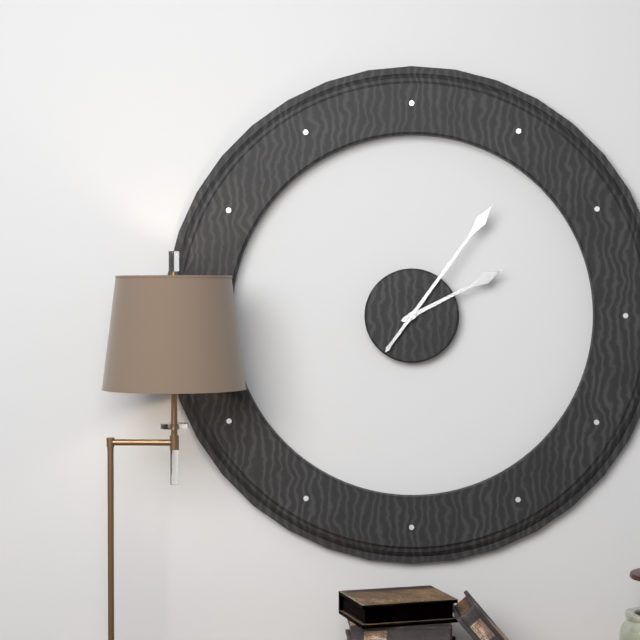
2.06
